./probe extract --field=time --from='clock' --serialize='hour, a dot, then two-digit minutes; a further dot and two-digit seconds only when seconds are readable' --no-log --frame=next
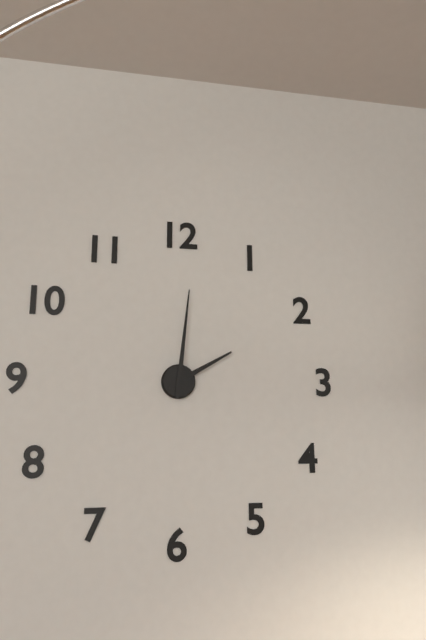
2.01
